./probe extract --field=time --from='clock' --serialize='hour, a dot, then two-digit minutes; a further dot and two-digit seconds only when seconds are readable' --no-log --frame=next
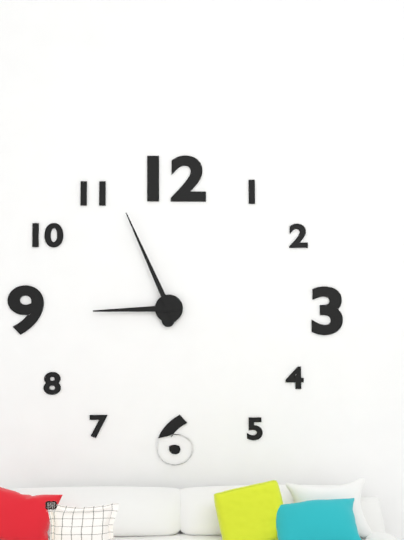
8.56
